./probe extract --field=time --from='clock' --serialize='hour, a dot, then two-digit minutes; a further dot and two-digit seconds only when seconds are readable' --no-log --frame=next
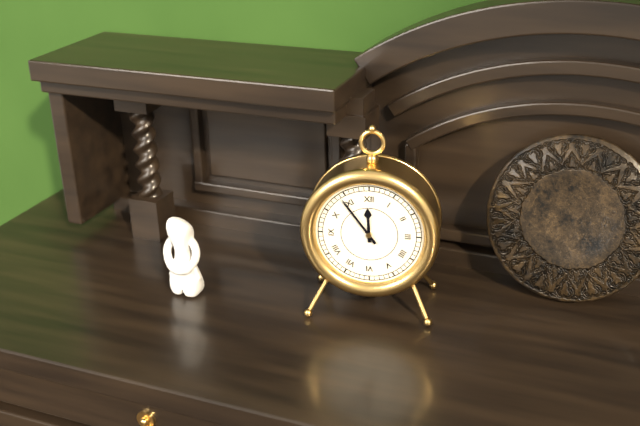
11.54
